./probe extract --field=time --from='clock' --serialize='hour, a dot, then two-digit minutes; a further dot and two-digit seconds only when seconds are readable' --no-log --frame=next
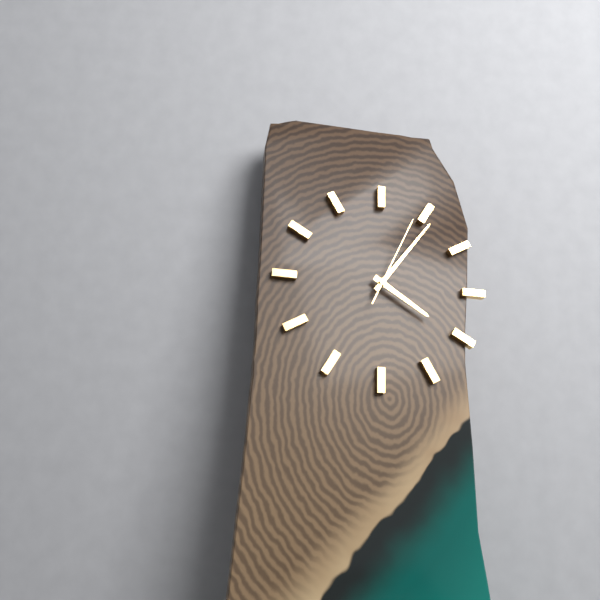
4.06.04
